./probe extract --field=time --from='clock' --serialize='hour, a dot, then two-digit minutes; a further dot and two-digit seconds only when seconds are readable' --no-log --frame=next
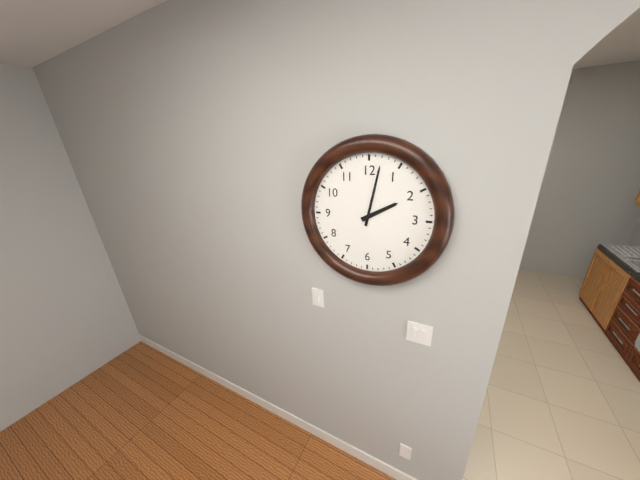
2.02
